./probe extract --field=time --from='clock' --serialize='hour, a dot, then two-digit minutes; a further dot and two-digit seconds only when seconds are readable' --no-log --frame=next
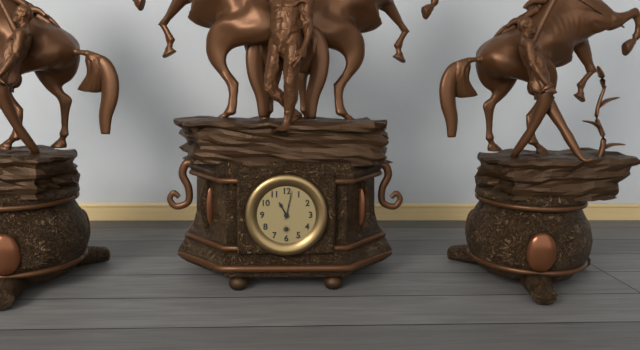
11.02
